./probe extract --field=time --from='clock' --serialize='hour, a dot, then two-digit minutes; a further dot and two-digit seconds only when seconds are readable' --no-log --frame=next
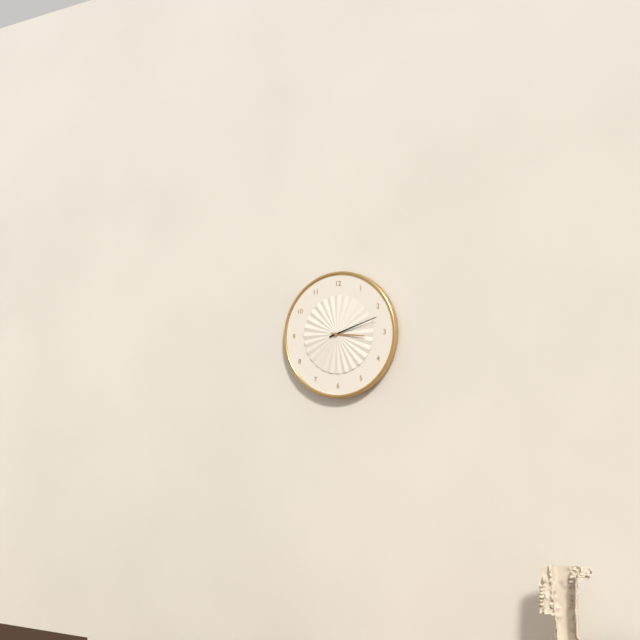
3.12
